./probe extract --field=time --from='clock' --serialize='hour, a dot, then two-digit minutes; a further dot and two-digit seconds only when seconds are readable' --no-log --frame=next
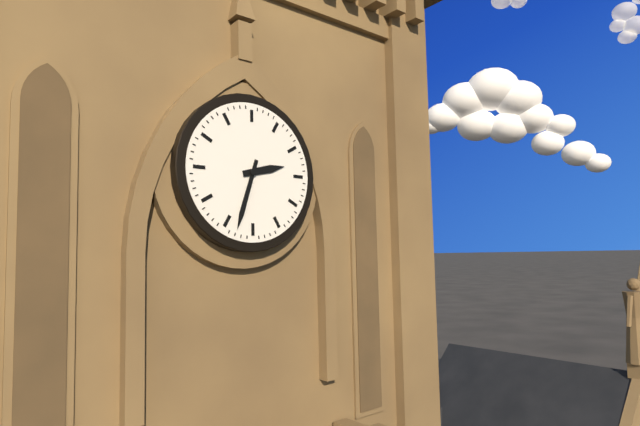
2.33
